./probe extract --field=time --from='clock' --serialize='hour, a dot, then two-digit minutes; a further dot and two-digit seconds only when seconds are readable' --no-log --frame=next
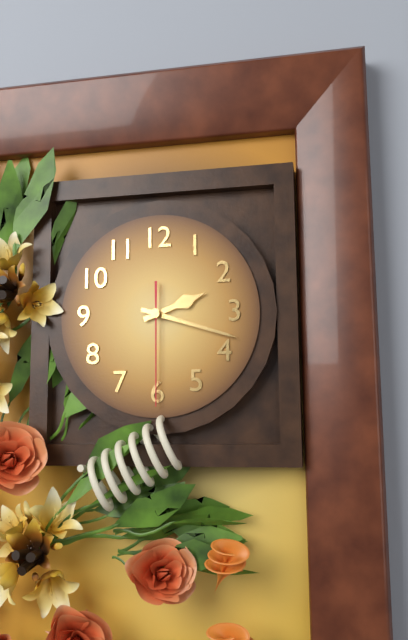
2.18.30
